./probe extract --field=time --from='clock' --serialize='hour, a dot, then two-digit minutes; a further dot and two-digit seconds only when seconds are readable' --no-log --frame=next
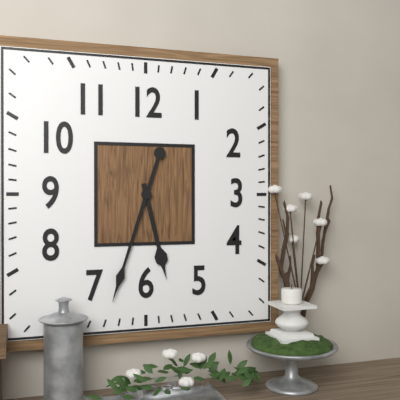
5.33
